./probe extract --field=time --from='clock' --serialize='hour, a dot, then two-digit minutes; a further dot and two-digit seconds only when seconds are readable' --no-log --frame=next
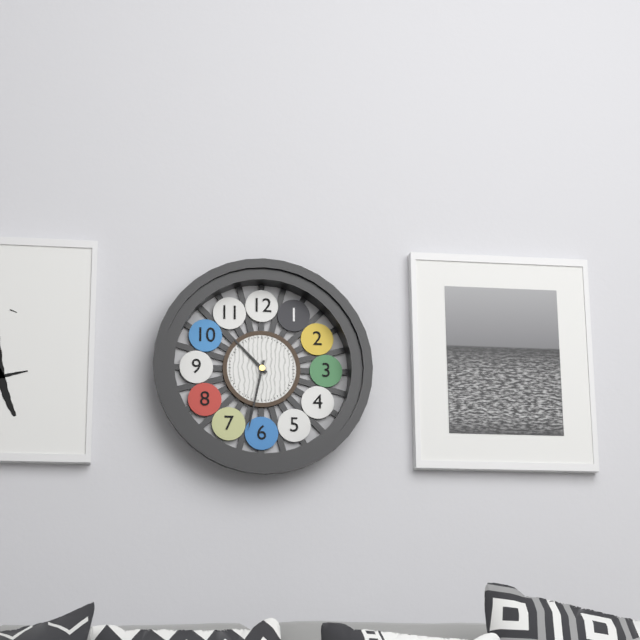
10.32
